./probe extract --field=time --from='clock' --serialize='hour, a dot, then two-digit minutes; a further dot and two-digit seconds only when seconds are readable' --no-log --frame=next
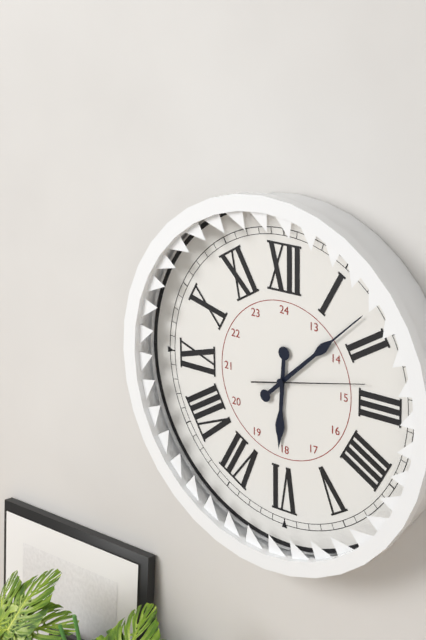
6.08.13
